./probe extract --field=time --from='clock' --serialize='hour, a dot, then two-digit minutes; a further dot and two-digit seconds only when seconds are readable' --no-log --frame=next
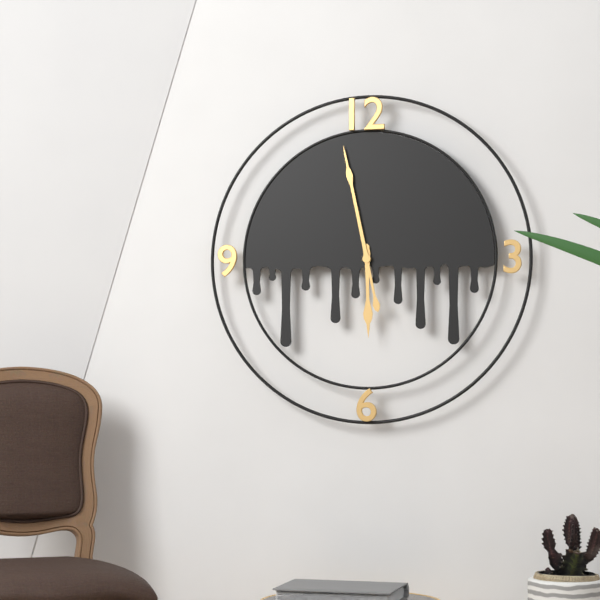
5.58
